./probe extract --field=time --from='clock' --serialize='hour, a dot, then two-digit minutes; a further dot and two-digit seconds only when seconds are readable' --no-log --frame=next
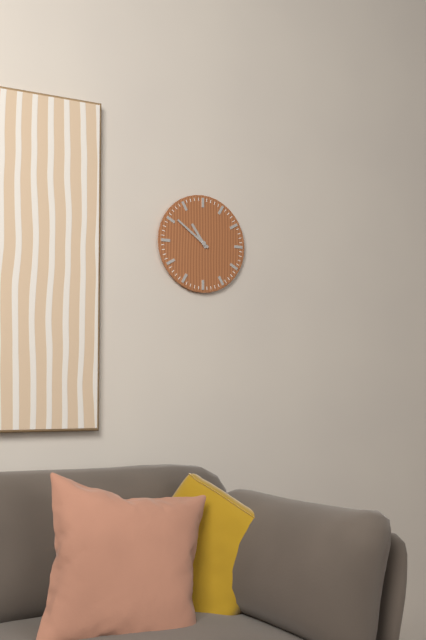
10.51
